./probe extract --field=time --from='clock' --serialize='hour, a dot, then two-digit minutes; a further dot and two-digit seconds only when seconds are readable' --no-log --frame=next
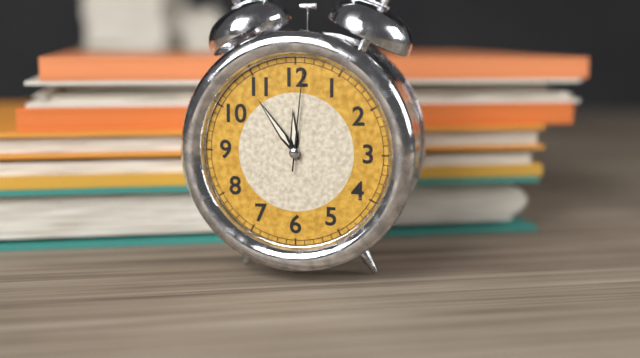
11.54.01
